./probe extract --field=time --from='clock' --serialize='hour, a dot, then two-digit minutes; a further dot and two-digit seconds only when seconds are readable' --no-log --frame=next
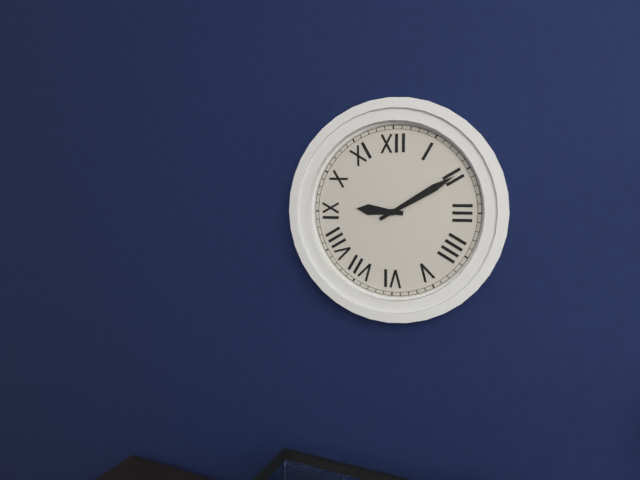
9.10
